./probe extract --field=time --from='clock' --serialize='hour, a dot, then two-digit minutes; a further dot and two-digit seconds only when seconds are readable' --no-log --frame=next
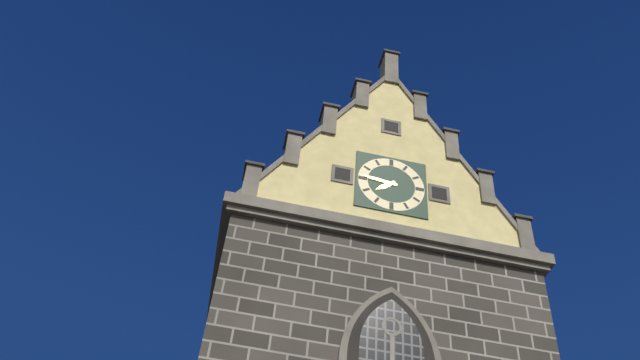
7.46
